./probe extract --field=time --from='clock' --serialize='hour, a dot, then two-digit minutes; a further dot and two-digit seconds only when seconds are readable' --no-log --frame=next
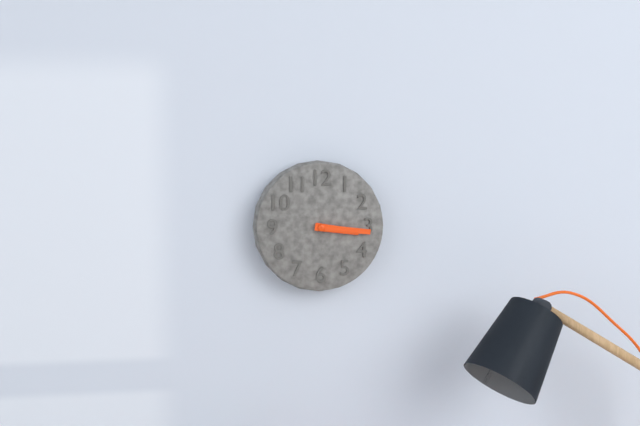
3.16
